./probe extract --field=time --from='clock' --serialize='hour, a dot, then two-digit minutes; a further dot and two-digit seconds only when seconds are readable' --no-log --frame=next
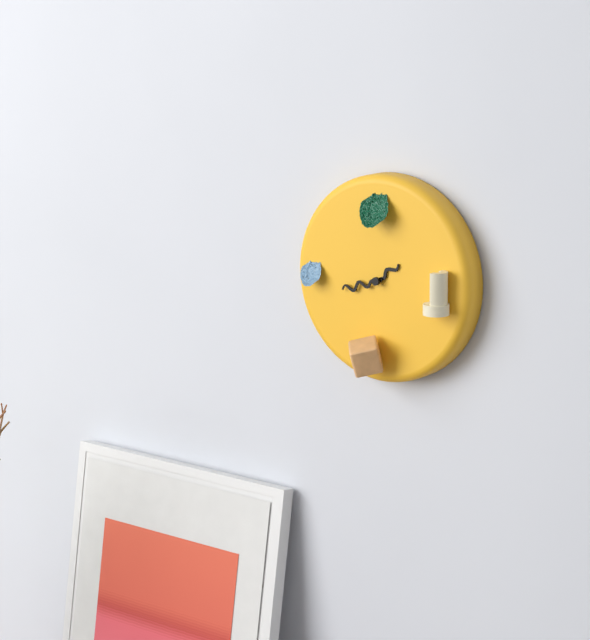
1.42
